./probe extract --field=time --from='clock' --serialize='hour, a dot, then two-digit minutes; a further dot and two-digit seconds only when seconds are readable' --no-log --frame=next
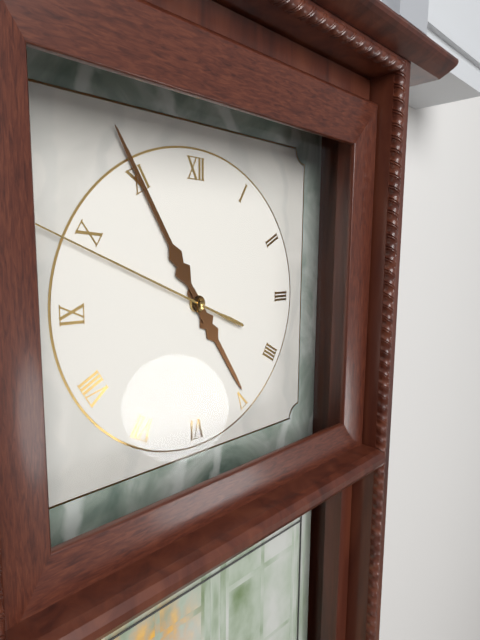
4.55.49
